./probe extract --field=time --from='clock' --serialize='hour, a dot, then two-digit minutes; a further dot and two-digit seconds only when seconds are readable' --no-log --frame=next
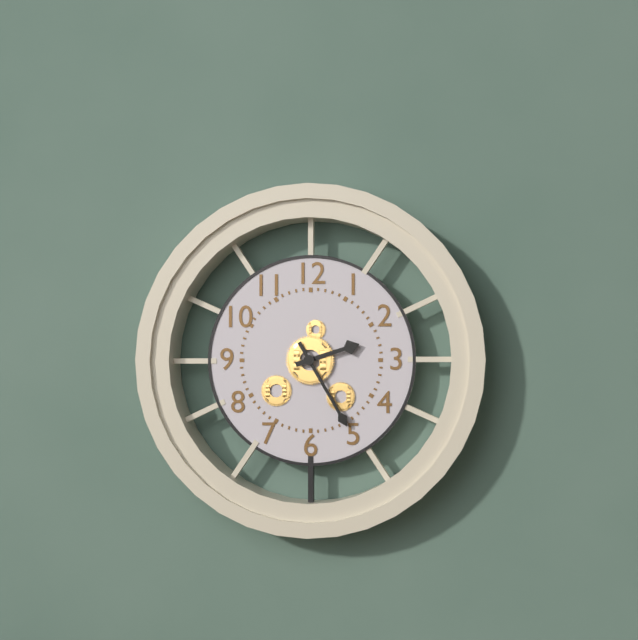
2.25
